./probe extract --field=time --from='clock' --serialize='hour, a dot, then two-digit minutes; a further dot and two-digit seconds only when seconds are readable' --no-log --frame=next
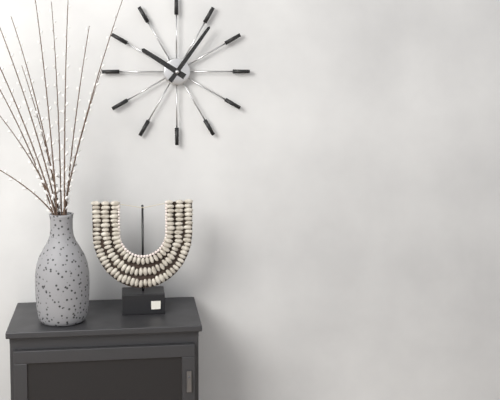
10.06
